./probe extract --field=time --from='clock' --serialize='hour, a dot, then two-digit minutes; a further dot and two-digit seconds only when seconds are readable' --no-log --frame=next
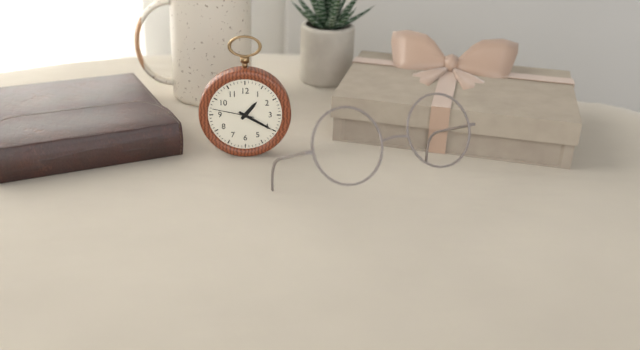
1.20
